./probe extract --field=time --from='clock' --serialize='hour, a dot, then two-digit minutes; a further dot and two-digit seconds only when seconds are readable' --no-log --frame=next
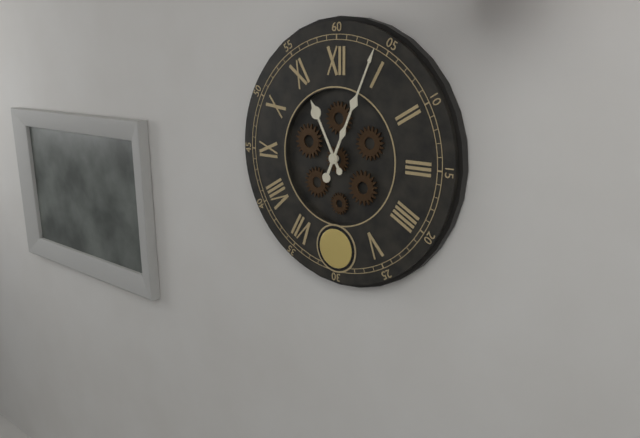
11.04
